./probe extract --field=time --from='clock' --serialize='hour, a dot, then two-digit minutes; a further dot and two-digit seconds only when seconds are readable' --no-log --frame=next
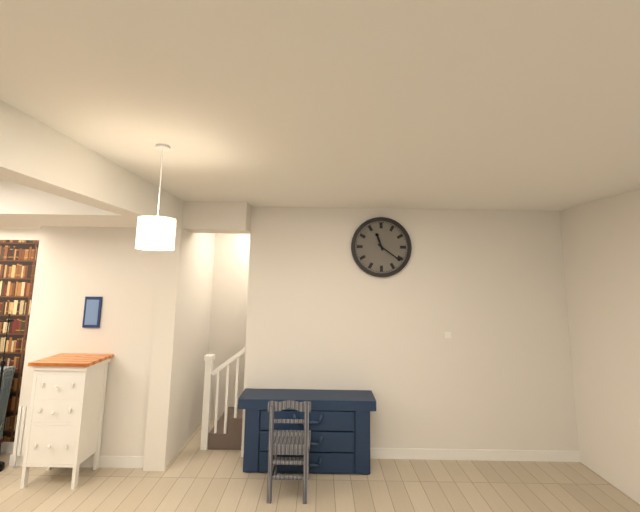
11.21
